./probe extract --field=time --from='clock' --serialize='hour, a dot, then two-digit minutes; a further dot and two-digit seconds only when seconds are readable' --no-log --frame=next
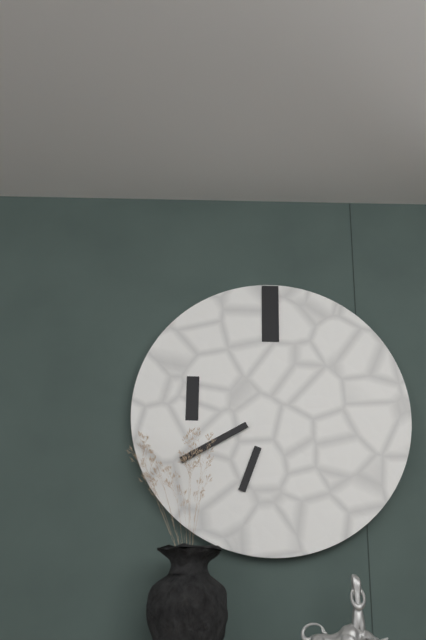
6.40
